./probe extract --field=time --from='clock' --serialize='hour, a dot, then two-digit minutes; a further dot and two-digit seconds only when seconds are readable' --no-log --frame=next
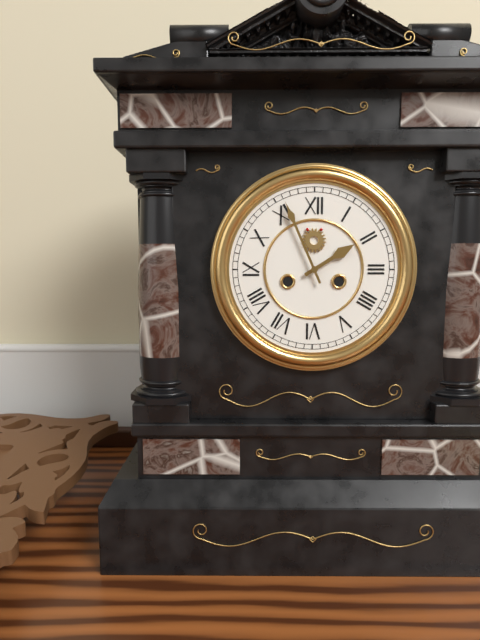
1.56
